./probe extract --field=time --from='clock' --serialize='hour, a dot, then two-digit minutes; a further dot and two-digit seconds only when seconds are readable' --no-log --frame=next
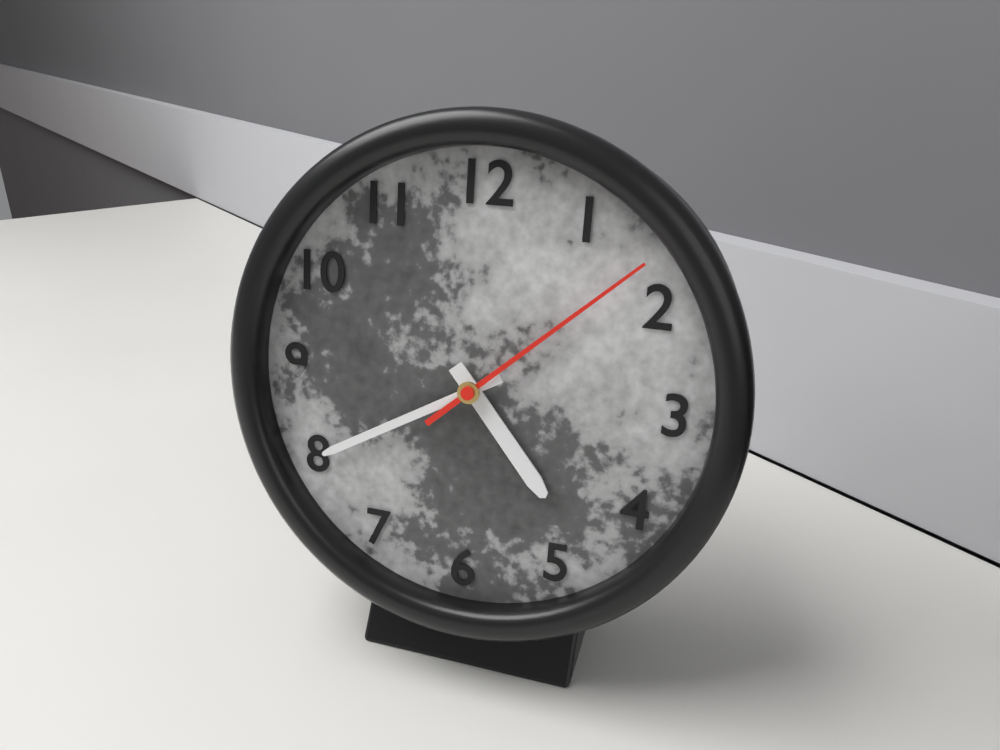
4.40.08
